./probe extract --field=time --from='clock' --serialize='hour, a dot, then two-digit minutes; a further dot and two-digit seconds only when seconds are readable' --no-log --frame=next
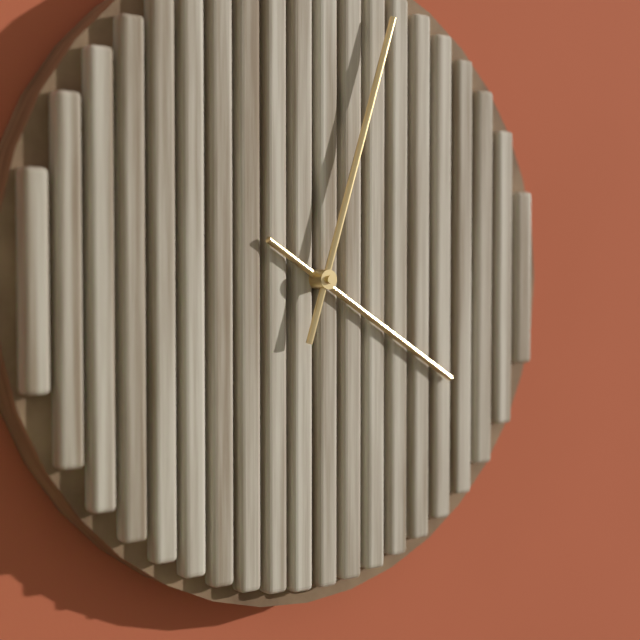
4.03
